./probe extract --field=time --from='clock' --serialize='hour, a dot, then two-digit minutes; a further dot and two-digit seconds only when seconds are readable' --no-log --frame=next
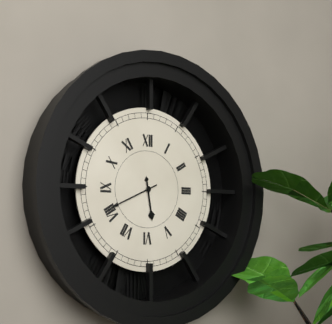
5.41
